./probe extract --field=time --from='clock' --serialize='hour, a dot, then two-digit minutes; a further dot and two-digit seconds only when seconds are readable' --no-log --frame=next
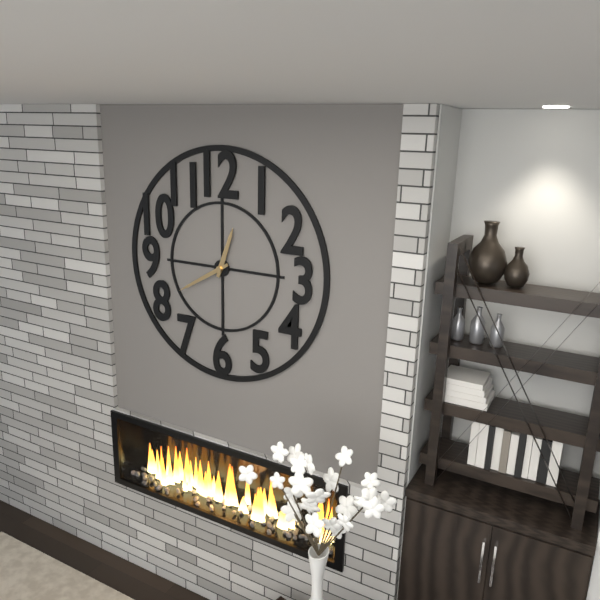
12.40
